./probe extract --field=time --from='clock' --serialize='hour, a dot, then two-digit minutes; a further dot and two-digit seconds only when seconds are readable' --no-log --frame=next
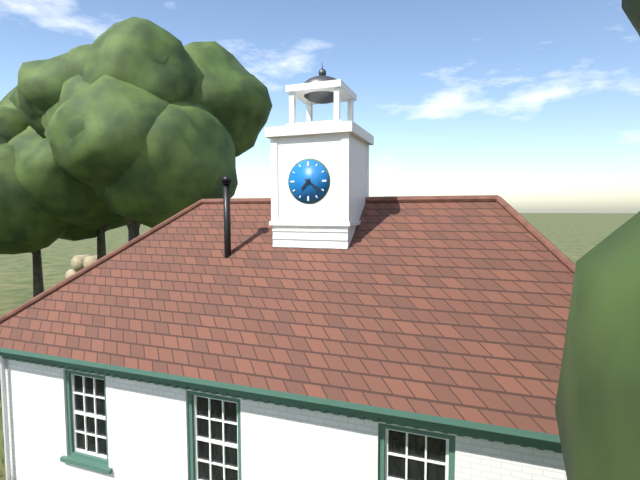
7.21
